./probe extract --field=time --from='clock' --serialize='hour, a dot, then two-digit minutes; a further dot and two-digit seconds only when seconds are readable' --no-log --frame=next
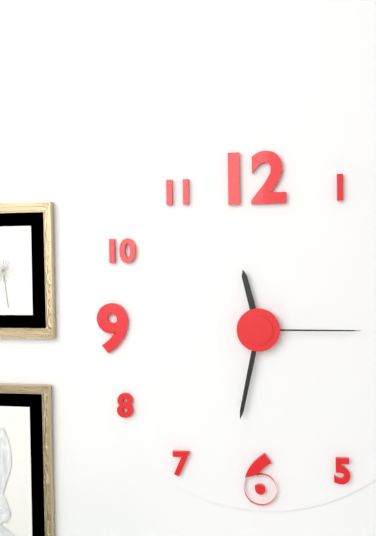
11.32.15
